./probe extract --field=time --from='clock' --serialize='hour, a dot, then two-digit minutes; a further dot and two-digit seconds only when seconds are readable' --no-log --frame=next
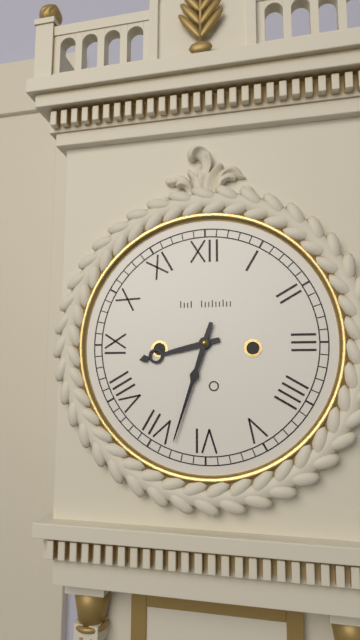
8.33
